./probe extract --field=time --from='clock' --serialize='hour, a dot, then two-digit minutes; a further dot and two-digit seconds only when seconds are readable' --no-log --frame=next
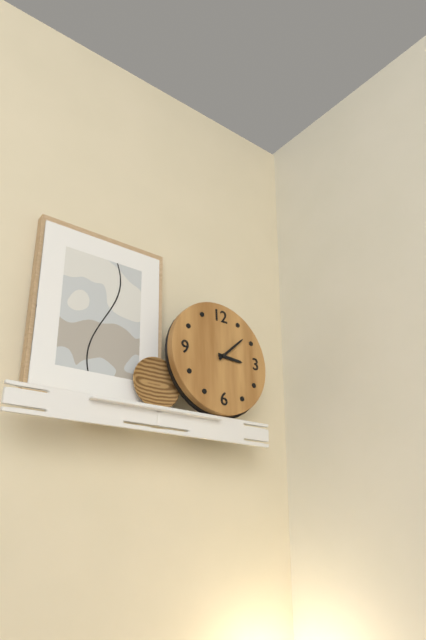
3.08
